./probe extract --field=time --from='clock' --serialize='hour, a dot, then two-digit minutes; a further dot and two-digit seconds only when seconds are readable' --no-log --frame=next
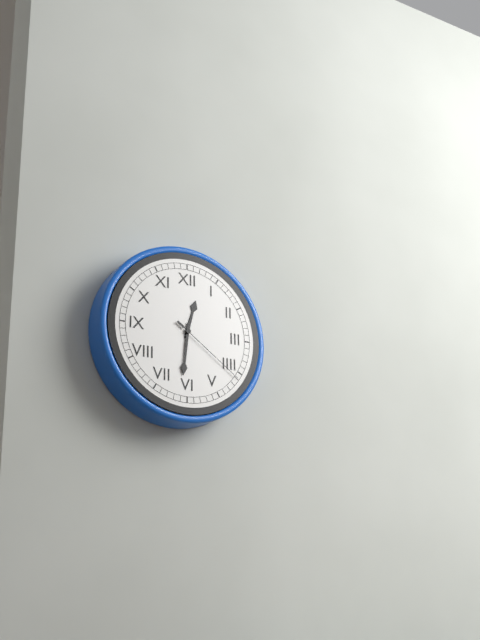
12.31.21
